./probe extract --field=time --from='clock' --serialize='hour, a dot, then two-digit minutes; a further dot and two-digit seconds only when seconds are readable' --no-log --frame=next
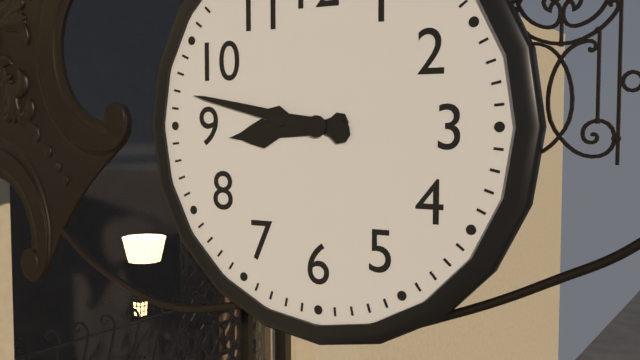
8.47
